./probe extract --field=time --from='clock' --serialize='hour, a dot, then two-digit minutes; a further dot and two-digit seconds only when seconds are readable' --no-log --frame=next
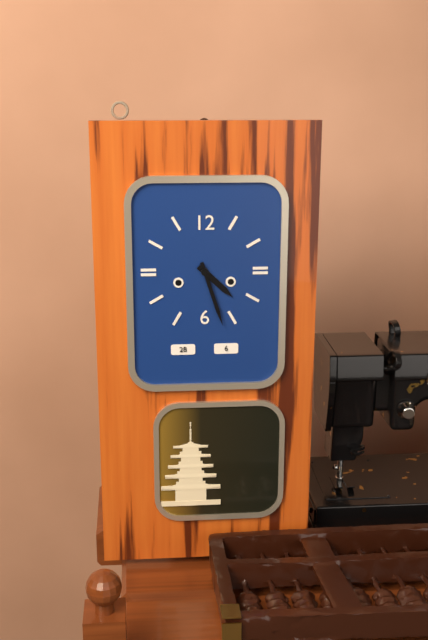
4.27
